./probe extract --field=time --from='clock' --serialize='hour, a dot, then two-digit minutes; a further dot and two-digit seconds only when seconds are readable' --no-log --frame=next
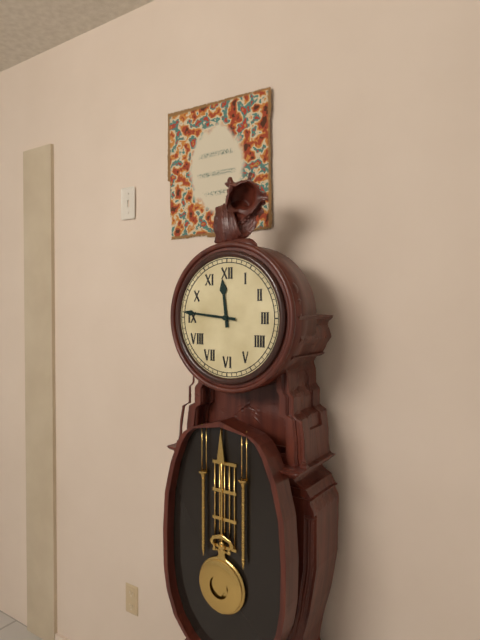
11.46
